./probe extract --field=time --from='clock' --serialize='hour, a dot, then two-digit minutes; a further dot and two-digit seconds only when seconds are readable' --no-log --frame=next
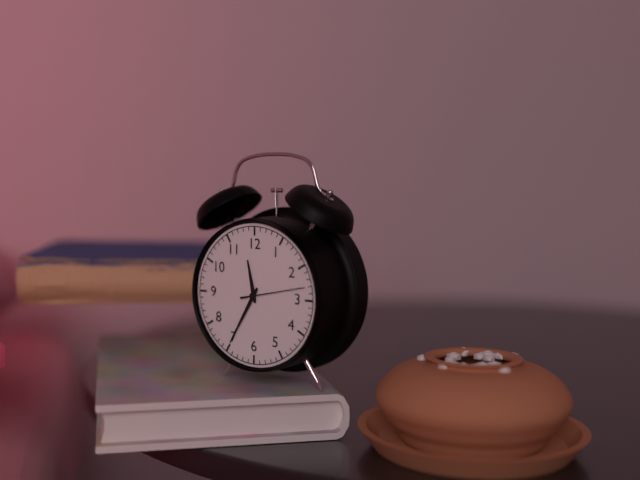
11.35.13
